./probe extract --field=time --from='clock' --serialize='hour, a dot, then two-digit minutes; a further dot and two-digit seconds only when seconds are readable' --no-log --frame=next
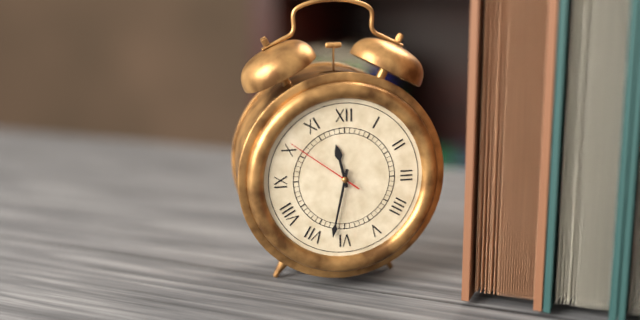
11.32.51
